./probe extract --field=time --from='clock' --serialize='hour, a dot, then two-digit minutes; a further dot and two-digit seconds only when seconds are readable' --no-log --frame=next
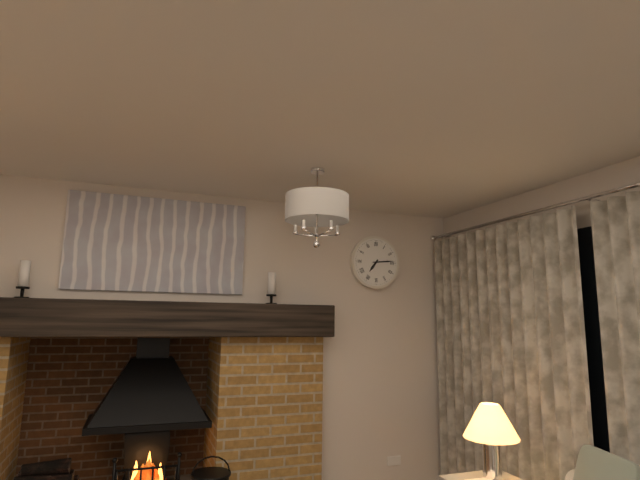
7.14
